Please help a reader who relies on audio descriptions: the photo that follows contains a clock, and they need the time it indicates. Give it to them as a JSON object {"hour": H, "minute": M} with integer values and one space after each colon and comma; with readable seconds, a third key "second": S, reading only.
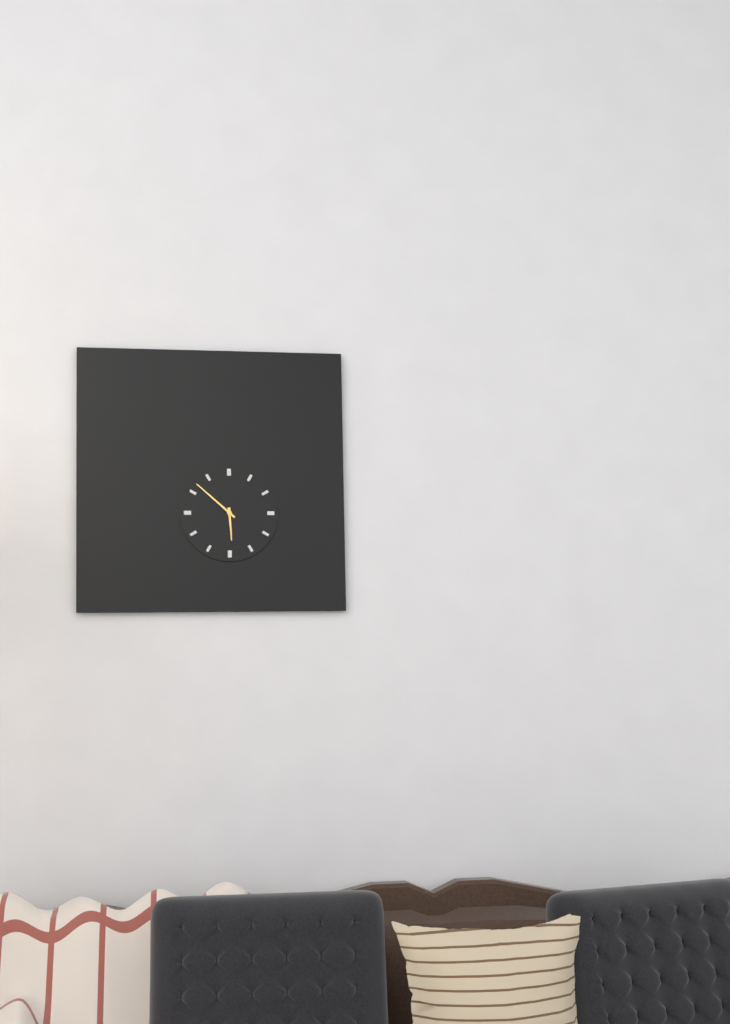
{"hour": 5, "minute": 52}
